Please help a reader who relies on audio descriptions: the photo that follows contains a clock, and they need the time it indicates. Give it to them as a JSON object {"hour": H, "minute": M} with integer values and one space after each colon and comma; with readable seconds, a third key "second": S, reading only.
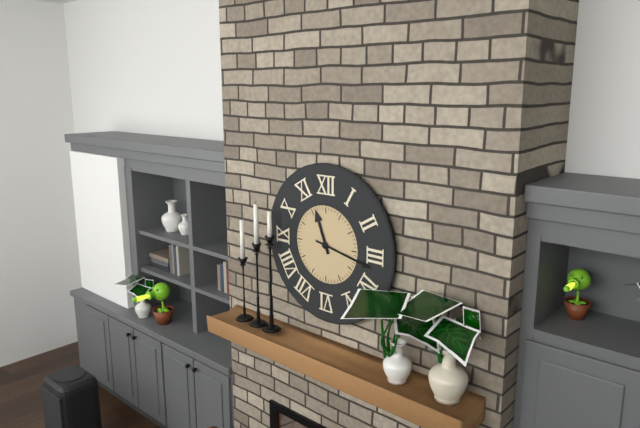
{"hour": 11, "minute": 17}
